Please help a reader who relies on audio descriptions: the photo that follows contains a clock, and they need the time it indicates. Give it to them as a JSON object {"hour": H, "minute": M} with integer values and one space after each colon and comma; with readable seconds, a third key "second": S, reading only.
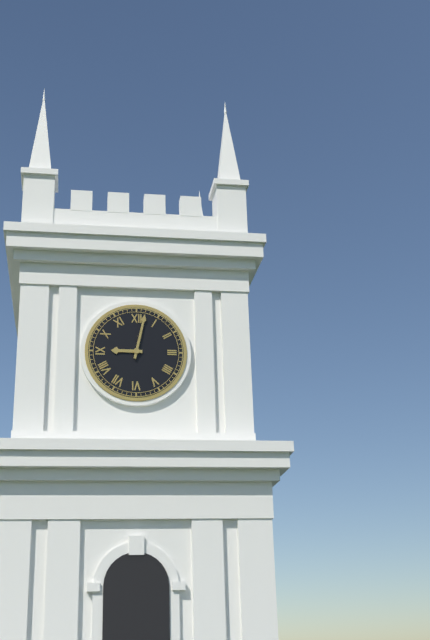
{"hour": 9, "minute": 2}
